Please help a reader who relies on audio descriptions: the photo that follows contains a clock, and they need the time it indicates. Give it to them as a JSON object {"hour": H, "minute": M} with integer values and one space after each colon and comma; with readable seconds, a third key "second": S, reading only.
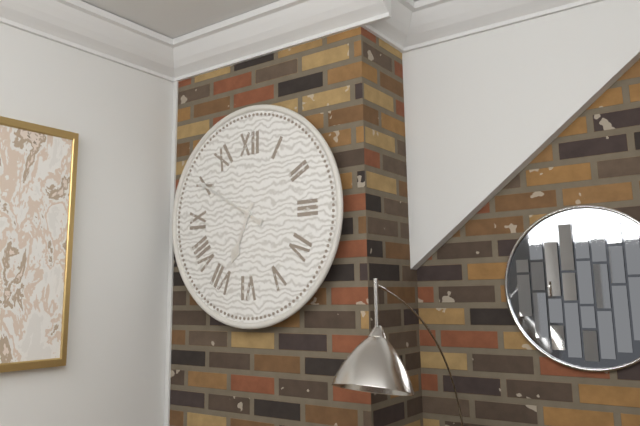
{"hour": 6, "minute": 50}
